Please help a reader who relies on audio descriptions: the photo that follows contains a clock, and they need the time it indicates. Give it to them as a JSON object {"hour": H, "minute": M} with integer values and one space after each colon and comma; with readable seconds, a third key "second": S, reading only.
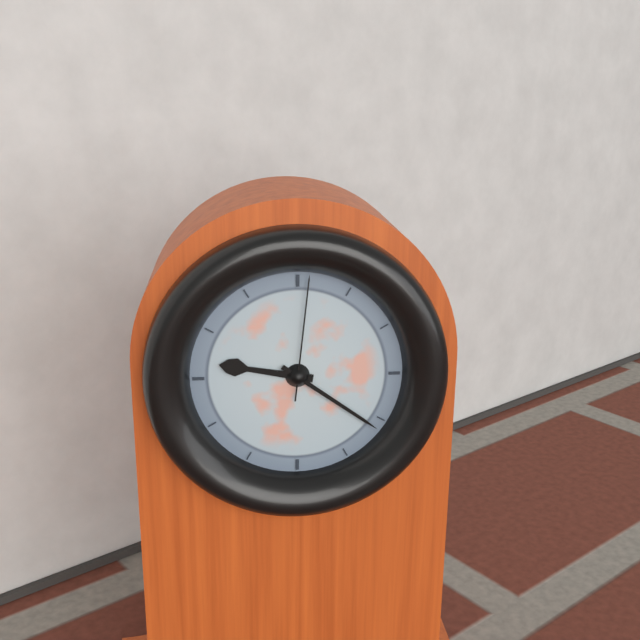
{"hour": 9, "minute": 21, "second": 1}
